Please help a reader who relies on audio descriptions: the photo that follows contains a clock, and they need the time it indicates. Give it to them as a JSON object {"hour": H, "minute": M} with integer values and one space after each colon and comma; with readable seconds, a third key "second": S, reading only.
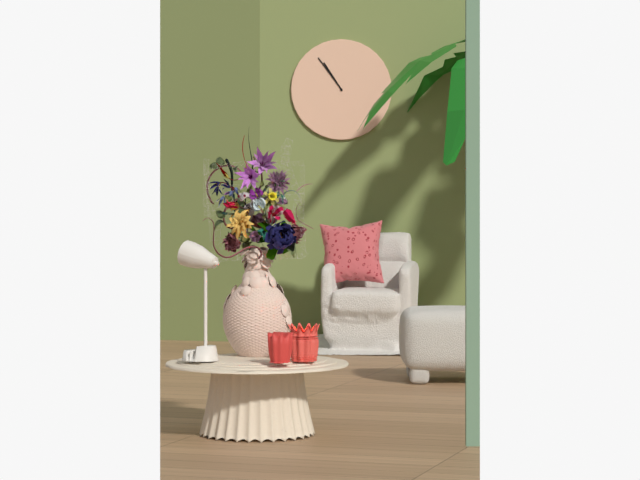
{"hour": 10, "minute": 54}
